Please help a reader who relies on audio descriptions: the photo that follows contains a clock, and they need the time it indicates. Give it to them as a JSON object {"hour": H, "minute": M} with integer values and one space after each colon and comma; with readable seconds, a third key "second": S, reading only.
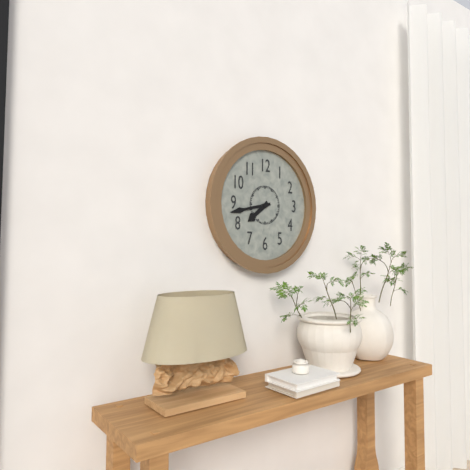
{"hour": 7, "minute": 43}
